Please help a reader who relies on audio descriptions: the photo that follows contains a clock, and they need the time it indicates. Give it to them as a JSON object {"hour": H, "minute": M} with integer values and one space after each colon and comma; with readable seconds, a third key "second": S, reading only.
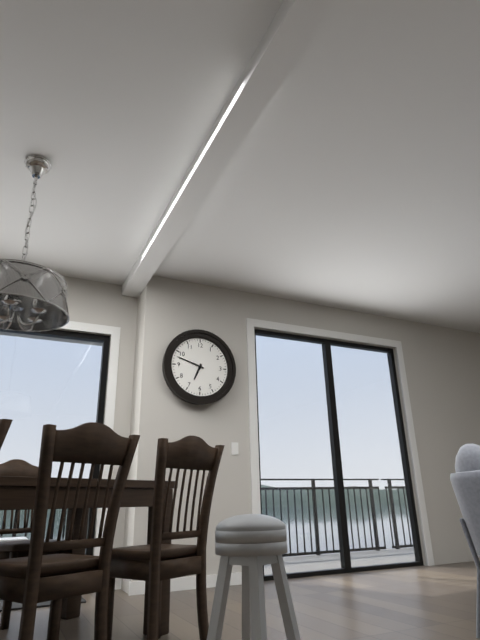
{"hour": 6, "minute": 48}
